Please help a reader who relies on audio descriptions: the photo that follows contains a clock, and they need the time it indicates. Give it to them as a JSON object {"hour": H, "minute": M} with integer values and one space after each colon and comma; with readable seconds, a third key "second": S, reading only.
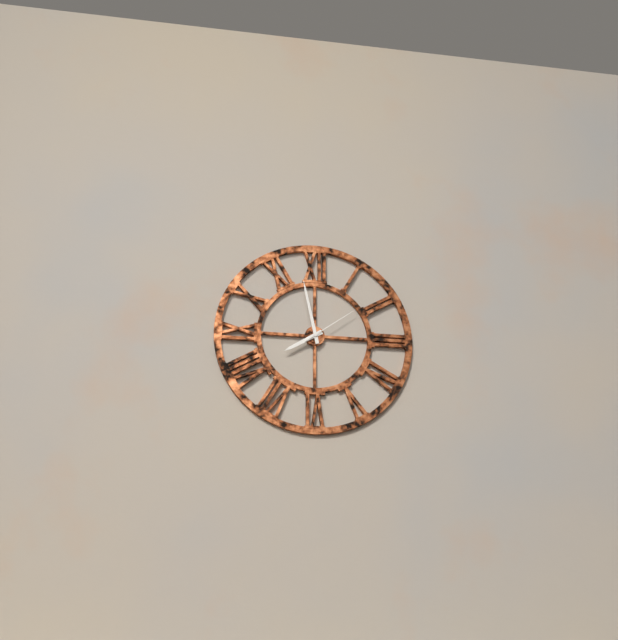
{"hour": 7, "minute": 58, "second": 9}
